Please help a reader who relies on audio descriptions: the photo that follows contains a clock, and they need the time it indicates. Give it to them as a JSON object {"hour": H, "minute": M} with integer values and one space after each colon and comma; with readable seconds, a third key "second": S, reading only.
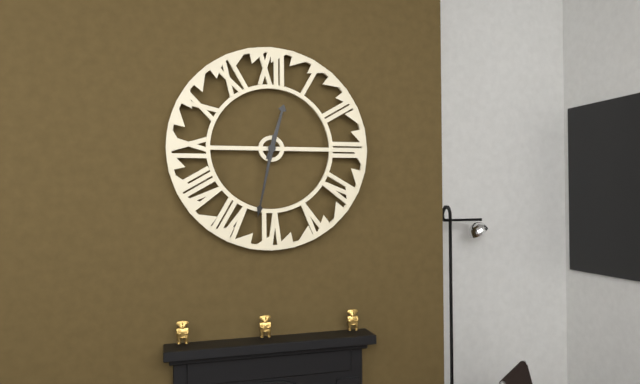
{"hour": 12, "minute": 32}
